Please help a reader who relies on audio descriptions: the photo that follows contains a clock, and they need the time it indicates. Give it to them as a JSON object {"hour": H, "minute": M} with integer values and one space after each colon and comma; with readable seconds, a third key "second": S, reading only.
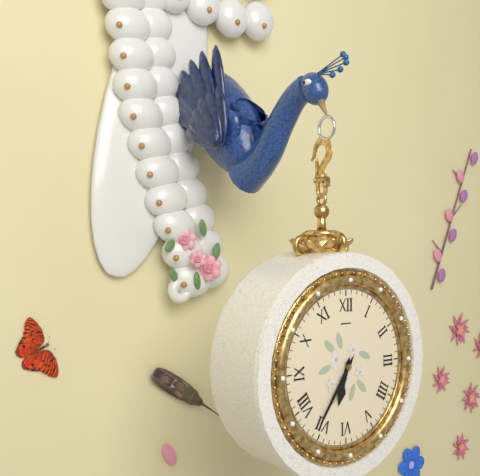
{"hour": 6, "minute": 36}
